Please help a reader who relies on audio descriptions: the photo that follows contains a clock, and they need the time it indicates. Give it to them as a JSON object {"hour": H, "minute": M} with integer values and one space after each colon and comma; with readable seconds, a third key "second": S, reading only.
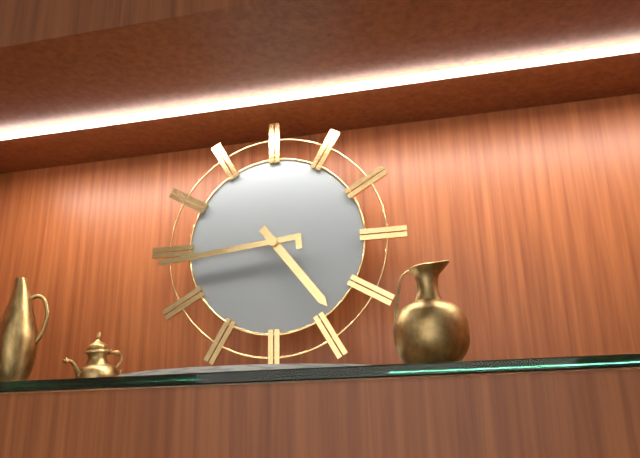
{"hour": 4, "minute": 44}
